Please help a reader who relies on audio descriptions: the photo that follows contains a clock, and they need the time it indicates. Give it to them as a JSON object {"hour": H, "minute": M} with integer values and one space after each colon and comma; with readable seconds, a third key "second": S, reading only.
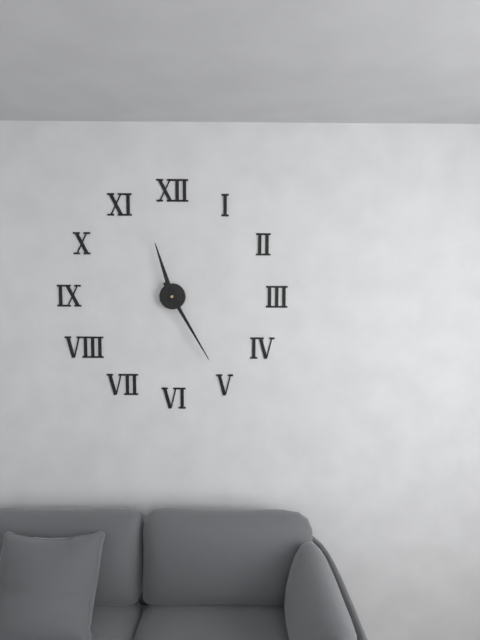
{"hour": 11, "minute": 25}
